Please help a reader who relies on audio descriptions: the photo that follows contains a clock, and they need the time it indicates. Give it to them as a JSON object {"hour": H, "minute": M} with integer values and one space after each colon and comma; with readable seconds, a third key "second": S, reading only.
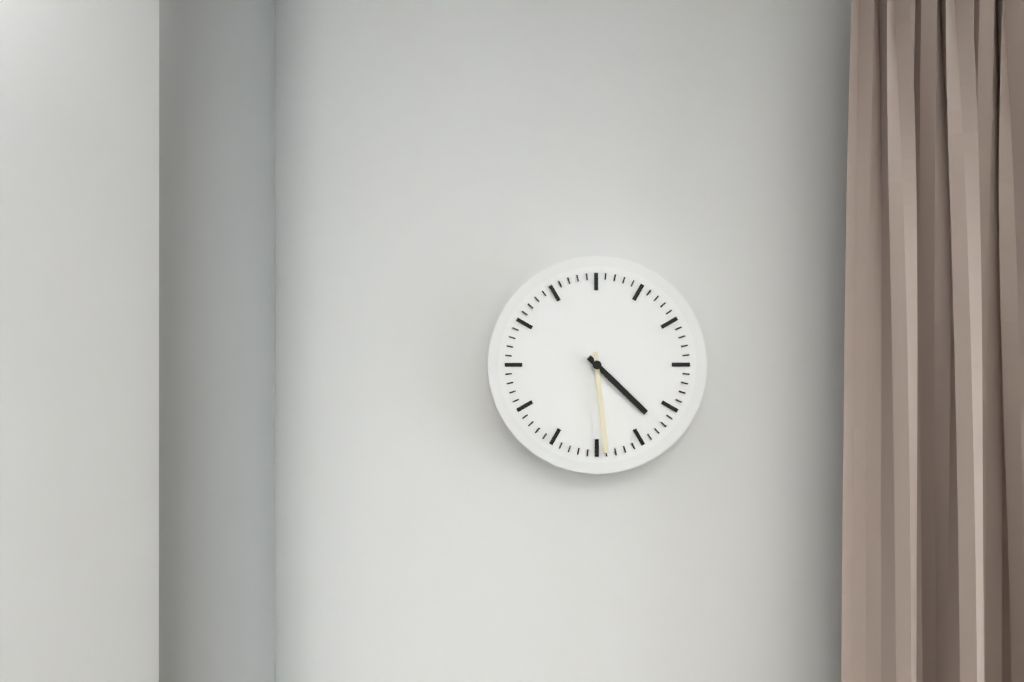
{"hour": 4, "minute": 29}
